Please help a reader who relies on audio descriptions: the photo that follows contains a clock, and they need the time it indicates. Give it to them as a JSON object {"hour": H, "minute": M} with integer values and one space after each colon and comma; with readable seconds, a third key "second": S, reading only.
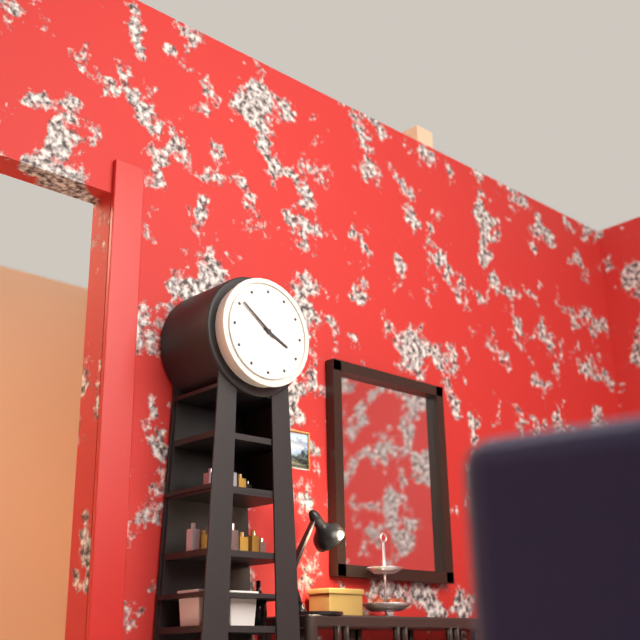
{"hour": 3, "minute": 51}
